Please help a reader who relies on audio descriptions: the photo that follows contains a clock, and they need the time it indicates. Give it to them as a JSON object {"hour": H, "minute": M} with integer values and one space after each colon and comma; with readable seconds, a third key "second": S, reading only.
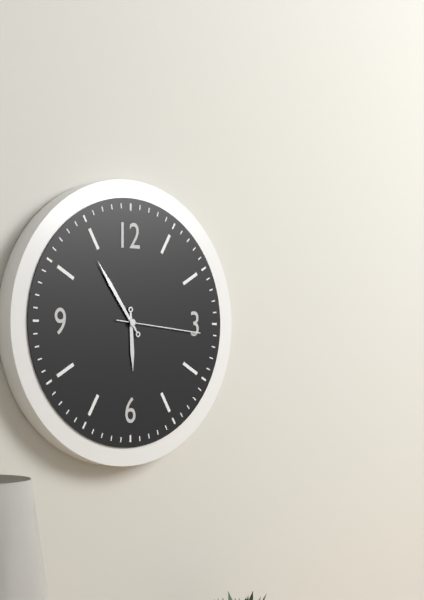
{"hour": 5, "minute": 54, "second": 16}
